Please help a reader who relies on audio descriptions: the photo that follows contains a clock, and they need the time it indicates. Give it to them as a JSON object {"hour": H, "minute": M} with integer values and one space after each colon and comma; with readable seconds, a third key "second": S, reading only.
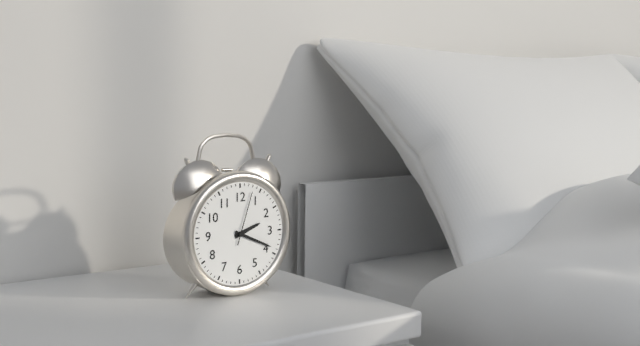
{"hour": 2, "minute": 19, "second": 3}
